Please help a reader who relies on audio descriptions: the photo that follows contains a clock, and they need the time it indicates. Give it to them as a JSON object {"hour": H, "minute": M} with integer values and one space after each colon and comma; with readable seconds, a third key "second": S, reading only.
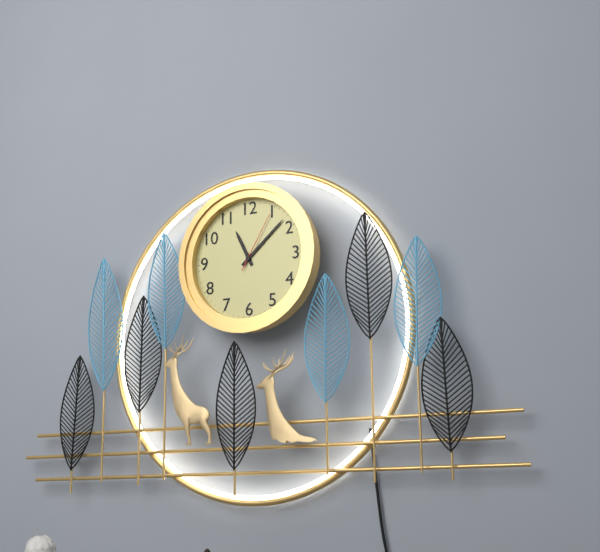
{"hour": 11, "minute": 8, "second": 5}
